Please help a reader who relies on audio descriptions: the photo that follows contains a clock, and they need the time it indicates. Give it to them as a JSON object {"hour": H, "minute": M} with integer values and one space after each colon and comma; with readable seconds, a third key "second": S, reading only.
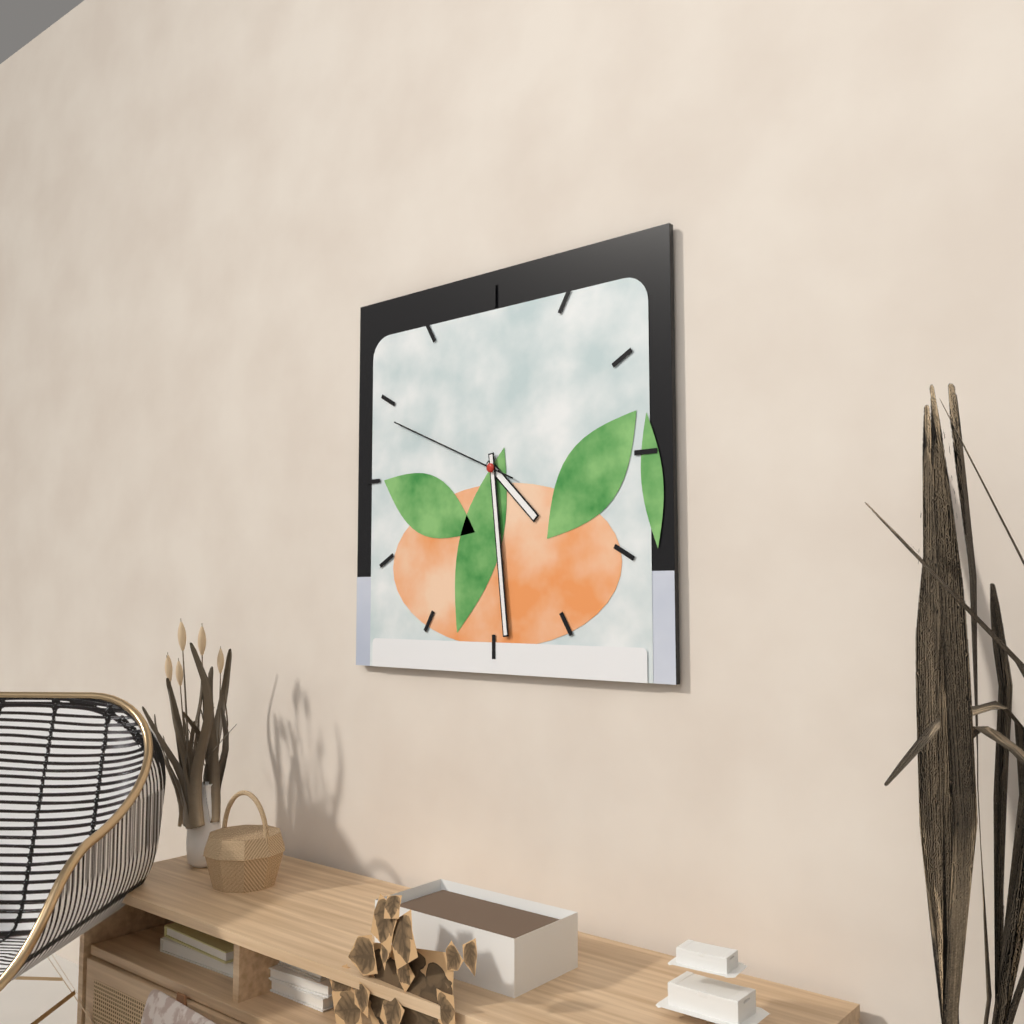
{"hour": 4, "minute": 29, "second": 49}
